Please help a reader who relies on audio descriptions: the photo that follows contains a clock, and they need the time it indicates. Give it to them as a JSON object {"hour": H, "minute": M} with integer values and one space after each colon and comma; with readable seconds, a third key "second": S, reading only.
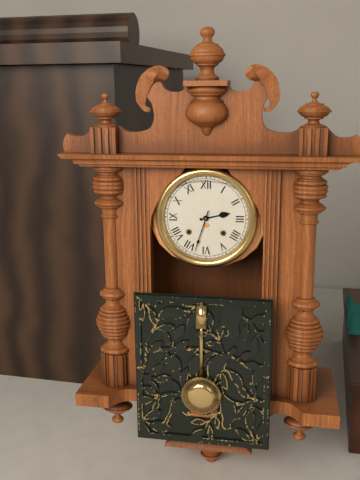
{"hour": 2, "minute": 33}
